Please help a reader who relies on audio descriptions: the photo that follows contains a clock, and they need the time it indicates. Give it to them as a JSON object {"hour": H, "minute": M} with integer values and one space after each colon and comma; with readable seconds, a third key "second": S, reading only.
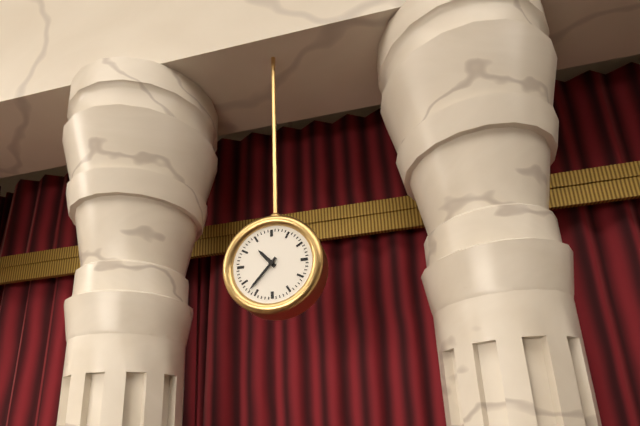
{"hour": 10, "minute": 37}
